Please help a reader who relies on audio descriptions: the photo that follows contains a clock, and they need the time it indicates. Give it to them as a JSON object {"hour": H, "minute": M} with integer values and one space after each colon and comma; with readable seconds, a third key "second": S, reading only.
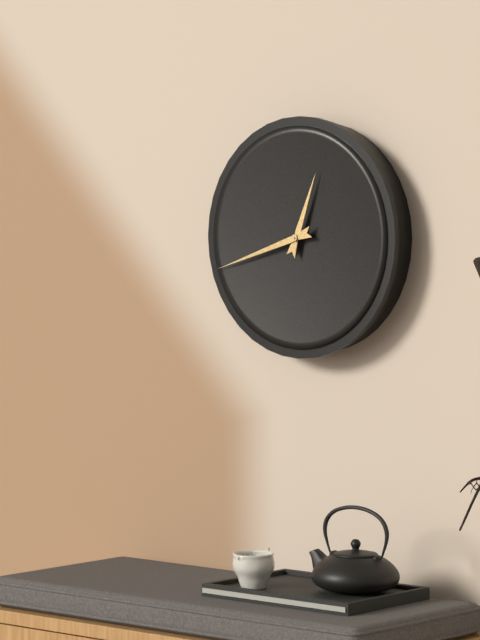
{"hour": 12, "minute": 42}
